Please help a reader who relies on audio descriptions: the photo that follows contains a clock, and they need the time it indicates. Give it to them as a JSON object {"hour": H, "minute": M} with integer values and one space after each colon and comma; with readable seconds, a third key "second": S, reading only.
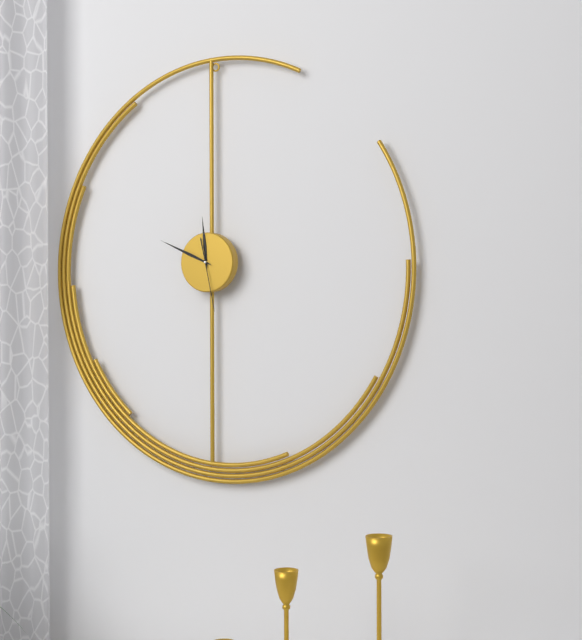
{"hour": 11, "minute": 49, "second": 28}
